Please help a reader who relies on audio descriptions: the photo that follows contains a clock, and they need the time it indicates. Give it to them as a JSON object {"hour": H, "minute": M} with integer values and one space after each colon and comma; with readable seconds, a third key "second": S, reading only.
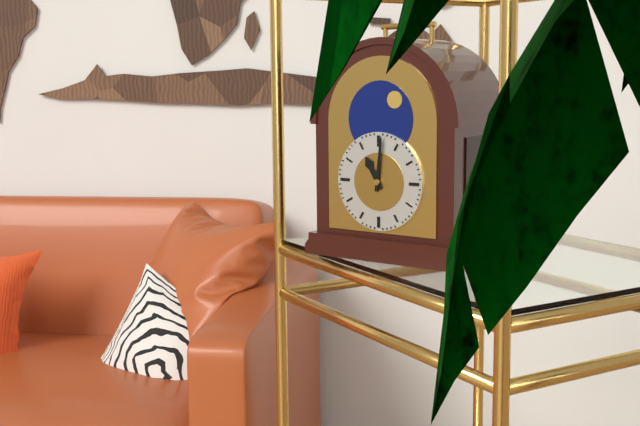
{"hour": 11, "minute": 1}
